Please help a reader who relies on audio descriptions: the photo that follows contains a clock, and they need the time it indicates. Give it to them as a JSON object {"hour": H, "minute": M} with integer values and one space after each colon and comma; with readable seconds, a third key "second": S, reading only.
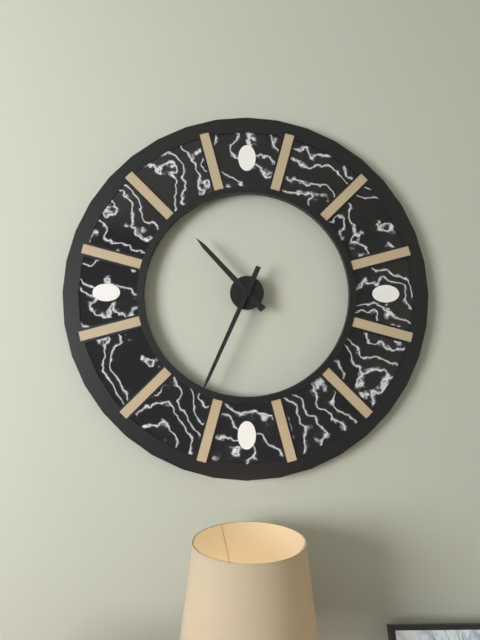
{"hour": 10, "minute": 34}
